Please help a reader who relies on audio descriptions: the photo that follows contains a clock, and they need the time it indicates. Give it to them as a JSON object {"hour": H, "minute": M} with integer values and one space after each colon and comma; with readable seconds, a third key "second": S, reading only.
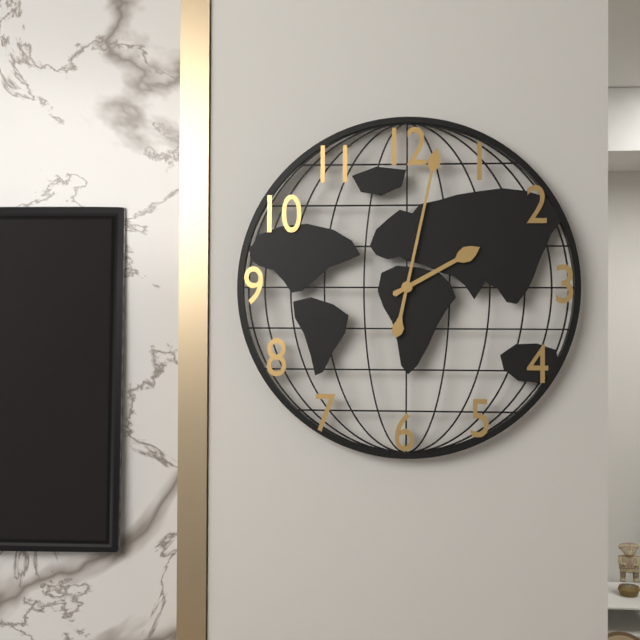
{"hour": 2, "minute": 2}
